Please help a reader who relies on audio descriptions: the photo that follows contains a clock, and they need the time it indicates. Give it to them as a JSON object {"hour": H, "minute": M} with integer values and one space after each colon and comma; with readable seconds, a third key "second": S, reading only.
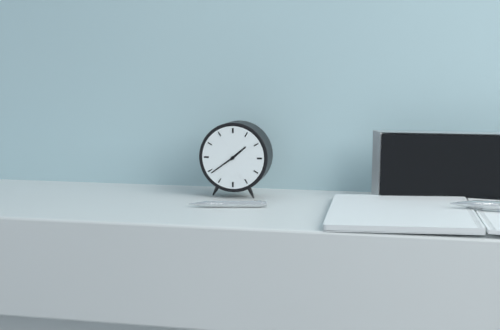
{"hour": 1, "minute": 39}
